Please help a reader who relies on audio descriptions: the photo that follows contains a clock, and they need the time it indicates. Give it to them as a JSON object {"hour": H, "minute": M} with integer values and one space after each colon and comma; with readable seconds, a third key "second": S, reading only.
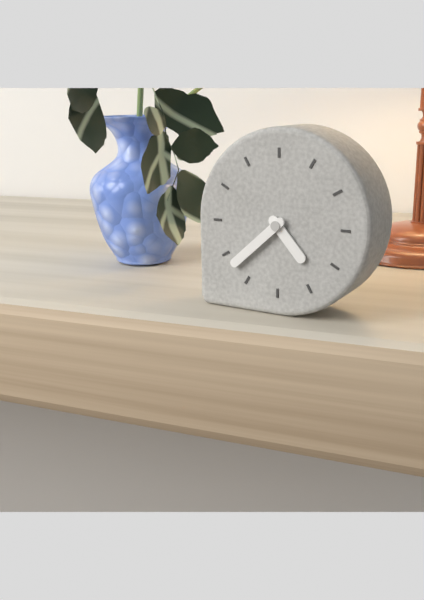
{"hour": 4, "minute": 38}
